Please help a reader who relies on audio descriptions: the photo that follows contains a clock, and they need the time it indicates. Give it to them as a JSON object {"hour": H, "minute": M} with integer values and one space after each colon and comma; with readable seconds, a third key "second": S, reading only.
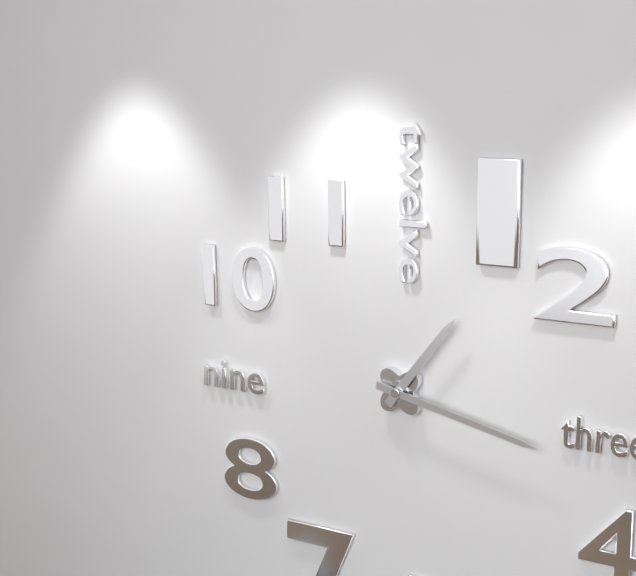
{"hour": 1, "minute": 17}
